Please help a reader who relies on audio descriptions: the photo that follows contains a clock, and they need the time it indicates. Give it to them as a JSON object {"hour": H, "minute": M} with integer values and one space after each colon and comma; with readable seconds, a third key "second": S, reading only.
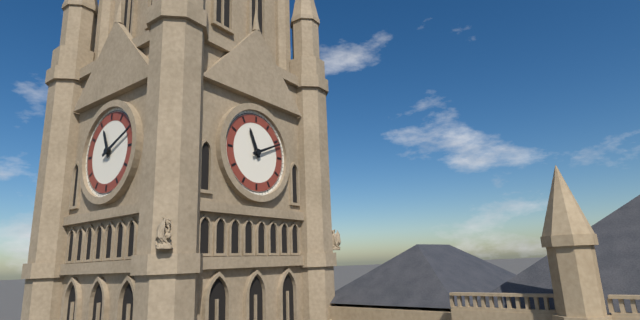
{"hour": 11, "minute": 11}
